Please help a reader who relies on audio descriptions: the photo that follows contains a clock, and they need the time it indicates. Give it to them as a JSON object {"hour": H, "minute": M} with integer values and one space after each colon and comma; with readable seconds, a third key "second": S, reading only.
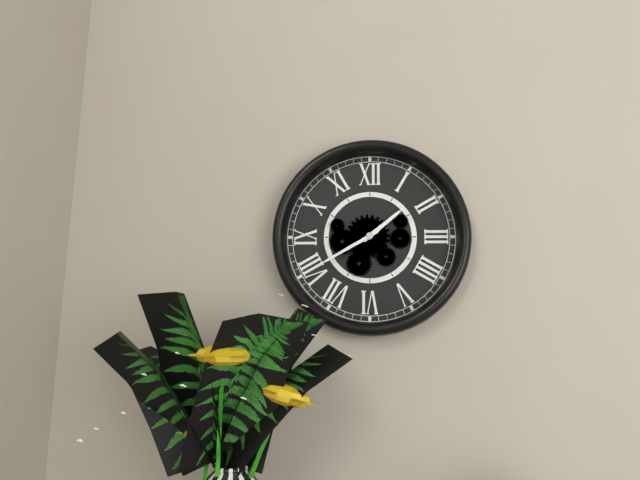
{"hour": 1, "minute": 40}
